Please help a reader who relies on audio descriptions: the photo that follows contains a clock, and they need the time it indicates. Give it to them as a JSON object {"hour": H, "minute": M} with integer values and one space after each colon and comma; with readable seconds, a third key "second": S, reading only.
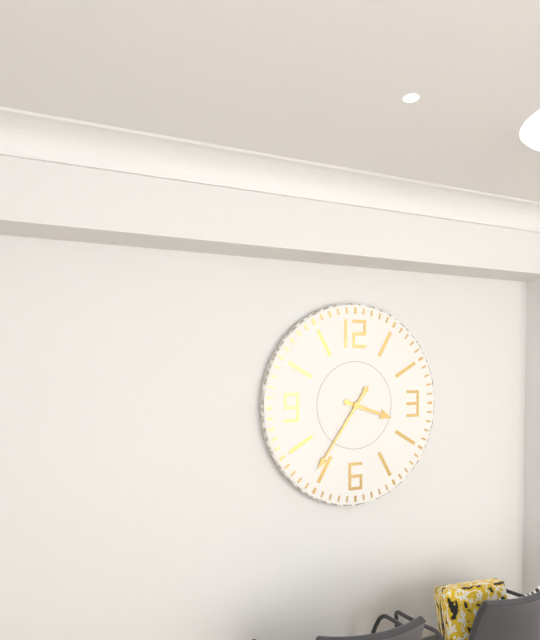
{"hour": 3, "minute": 36}
